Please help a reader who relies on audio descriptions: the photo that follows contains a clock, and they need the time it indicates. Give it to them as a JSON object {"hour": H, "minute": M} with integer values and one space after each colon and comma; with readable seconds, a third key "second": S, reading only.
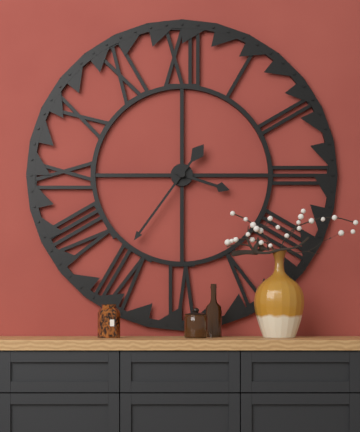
{"hour": 3, "minute": 36}
